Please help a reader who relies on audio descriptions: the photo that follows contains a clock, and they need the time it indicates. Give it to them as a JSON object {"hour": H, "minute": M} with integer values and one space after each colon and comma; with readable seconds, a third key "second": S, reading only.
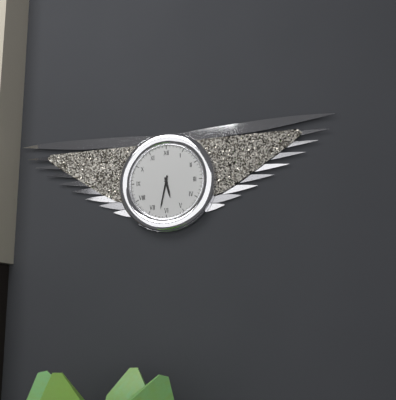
{"hour": 5, "minute": 32}
